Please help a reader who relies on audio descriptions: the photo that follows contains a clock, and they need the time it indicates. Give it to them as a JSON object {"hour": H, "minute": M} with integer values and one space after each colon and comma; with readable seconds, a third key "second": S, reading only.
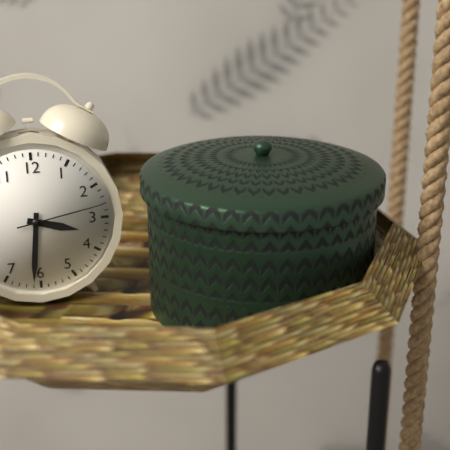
{"hour": 3, "minute": 31, "second": 13}
